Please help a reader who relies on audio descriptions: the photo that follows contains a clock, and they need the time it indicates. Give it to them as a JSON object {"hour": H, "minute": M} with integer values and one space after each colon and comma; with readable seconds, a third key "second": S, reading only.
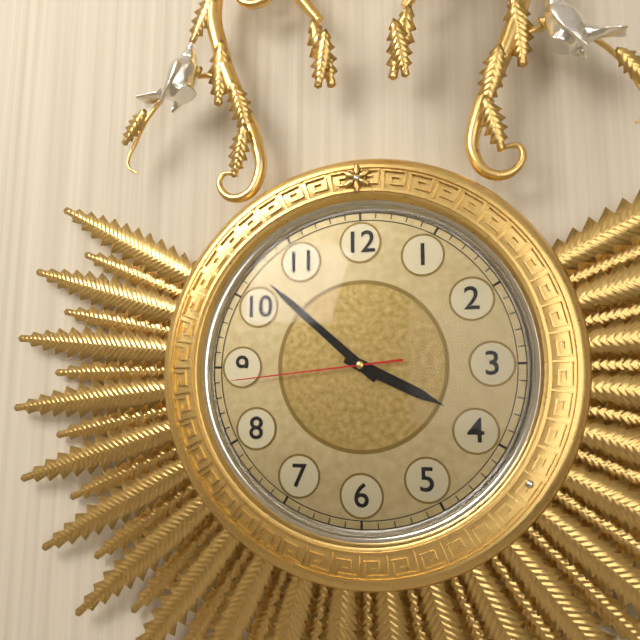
{"hour": 3, "minute": 52, "second": 44}
